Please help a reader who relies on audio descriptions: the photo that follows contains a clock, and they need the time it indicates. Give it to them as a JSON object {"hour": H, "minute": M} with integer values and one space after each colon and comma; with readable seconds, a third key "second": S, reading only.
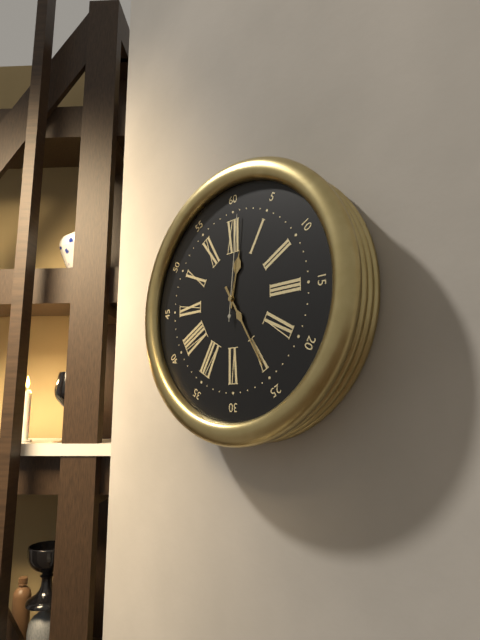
{"hour": 12, "minute": 25, "second": 1}
